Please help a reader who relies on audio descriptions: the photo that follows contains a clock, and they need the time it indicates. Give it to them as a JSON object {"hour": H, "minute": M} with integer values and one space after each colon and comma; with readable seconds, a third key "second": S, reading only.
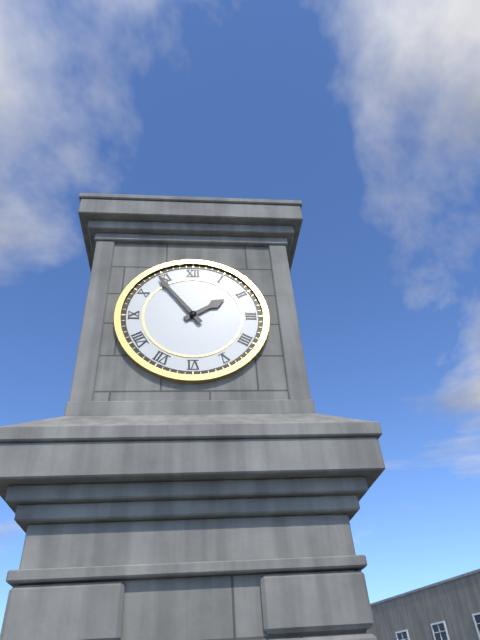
{"hour": 1, "minute": 54}
